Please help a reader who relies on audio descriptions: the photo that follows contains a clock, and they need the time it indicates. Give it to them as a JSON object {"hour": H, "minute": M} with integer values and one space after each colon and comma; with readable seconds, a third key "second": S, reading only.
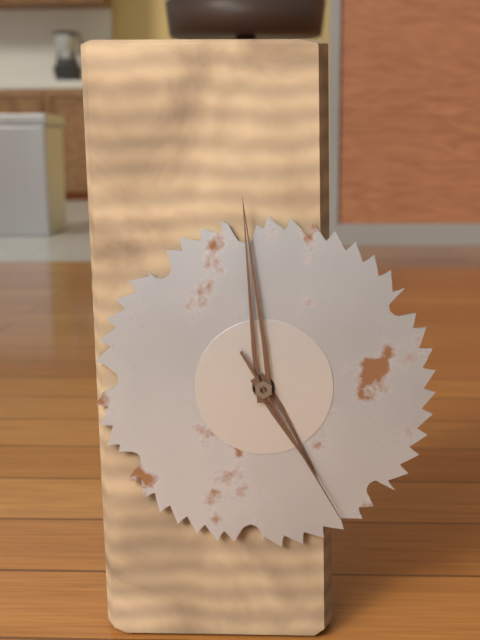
{"hour": 4, "minute": 59, "second": 25}
